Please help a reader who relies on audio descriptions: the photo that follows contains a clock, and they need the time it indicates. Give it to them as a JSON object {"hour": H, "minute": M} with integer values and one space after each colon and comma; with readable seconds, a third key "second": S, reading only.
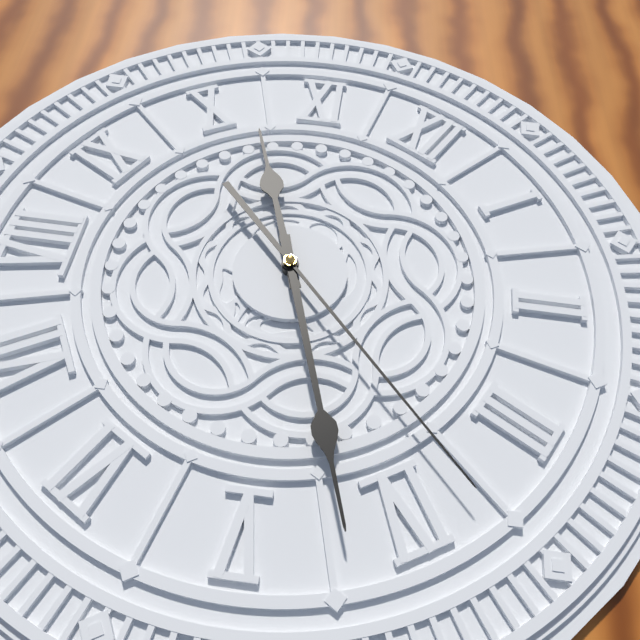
{"hour": 10, "minute": 22, "second": 18}
